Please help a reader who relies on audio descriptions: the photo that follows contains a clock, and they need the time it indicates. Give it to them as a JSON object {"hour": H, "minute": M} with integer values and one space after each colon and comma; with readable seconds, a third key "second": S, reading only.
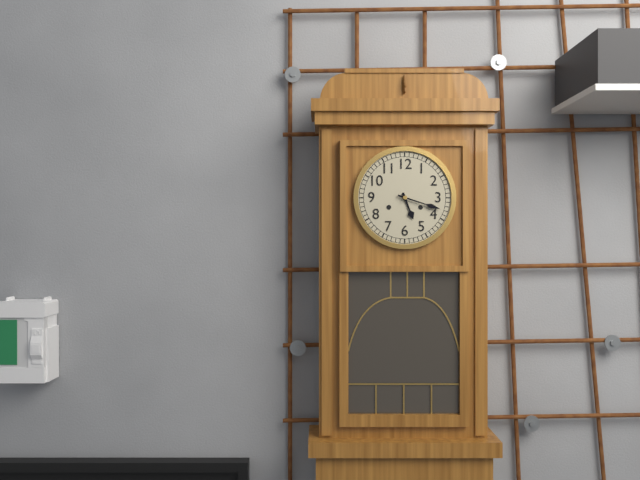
{"hour": 5, "minute": 18}
